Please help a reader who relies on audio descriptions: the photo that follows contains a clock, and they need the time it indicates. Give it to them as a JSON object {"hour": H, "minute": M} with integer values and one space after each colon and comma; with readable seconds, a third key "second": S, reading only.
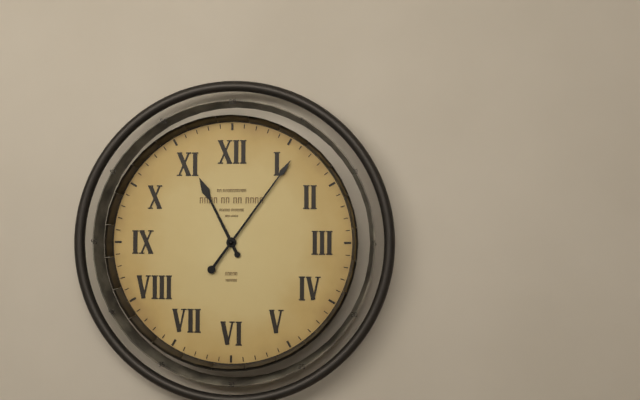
{"hour": 11, "minute": 6}
